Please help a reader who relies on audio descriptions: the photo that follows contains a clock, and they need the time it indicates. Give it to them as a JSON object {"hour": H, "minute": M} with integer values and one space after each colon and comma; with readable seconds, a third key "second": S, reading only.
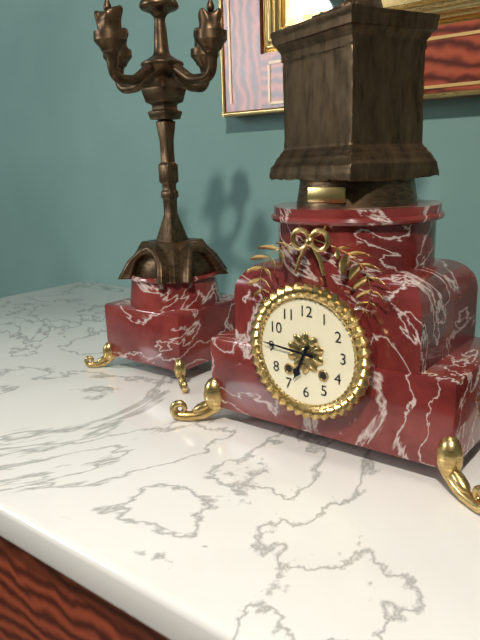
{"hour": 6, "minute": 46}
